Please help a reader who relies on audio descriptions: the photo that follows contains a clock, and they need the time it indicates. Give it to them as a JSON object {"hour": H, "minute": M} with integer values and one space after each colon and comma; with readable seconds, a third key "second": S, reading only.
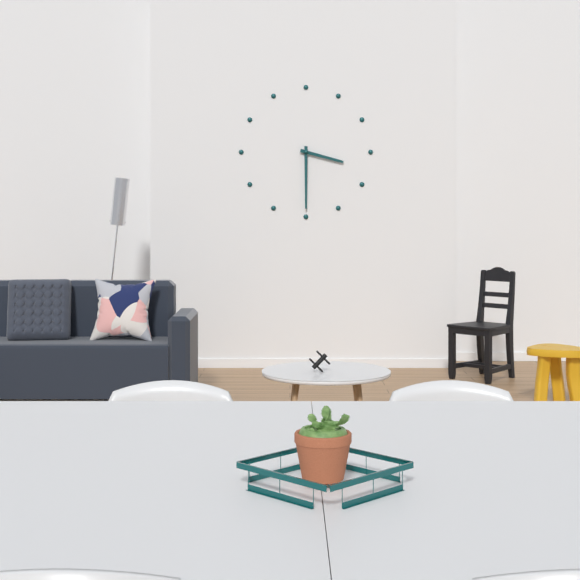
{"hour": 3, "minute": 30}
